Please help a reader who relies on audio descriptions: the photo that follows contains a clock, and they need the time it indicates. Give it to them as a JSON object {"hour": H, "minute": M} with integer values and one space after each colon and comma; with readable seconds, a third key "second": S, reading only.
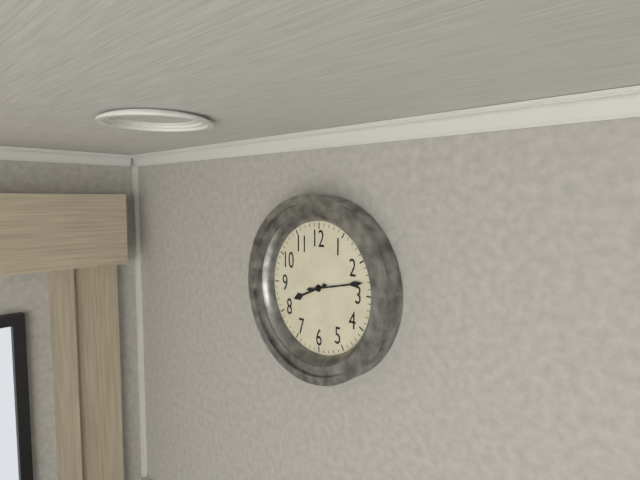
{"hour": 8, "minute": 13}
